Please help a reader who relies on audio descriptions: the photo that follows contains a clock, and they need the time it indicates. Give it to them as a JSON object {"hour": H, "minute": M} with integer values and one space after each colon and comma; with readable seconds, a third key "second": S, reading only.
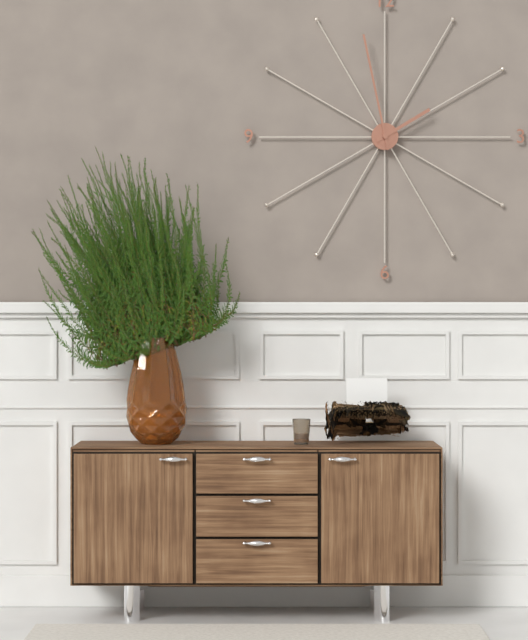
{"hour": 1, "minute": 58}
